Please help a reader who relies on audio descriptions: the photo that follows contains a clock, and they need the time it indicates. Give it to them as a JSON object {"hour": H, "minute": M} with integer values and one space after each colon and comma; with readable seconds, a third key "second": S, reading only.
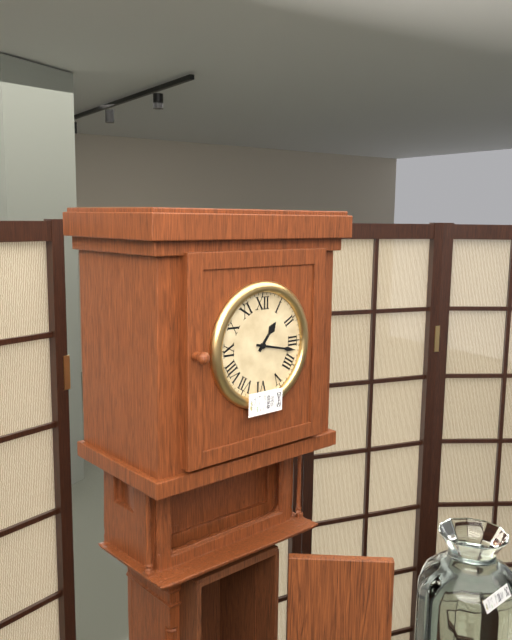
{"hour": 1, "minute": 17}
